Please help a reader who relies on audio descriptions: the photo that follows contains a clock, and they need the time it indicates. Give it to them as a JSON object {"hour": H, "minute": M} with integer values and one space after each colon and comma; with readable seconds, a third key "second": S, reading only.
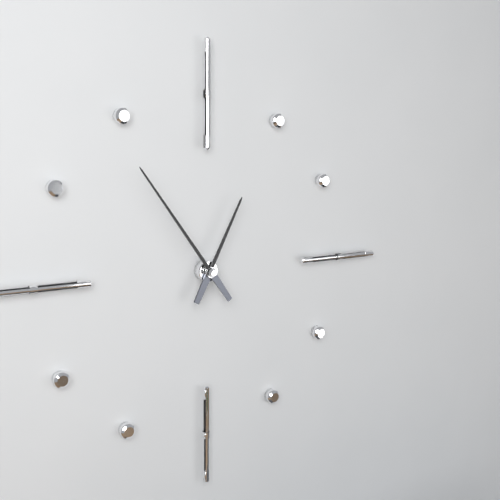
{"hour": 12, "minute": 54}
